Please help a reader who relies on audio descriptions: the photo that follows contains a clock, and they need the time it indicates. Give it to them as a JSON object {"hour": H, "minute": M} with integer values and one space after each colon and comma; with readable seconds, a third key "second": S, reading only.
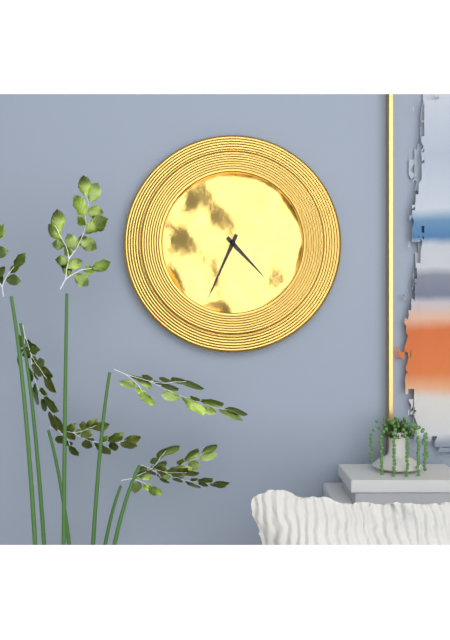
{"hour": 4, "minute": 34}
